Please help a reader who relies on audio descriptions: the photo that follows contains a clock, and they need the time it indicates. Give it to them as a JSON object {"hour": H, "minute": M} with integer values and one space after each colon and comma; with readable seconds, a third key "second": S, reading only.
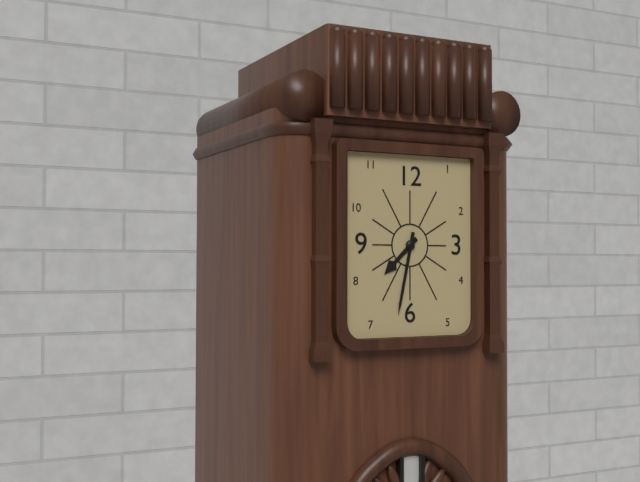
{"hour": 7, "minute": 32}
